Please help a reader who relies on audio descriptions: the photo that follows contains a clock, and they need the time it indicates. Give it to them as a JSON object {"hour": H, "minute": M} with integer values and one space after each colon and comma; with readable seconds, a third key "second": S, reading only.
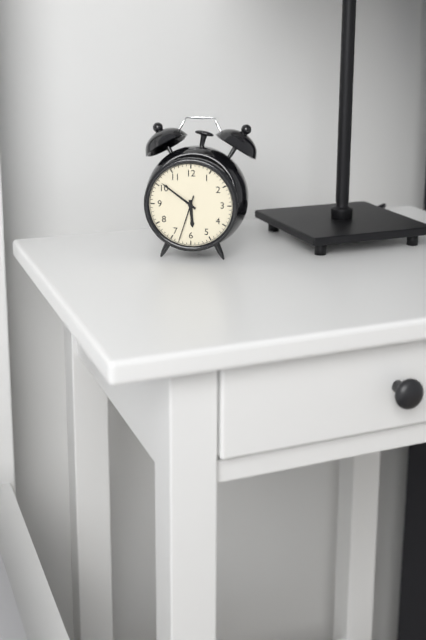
{"hour": 5, "minute": 51}
